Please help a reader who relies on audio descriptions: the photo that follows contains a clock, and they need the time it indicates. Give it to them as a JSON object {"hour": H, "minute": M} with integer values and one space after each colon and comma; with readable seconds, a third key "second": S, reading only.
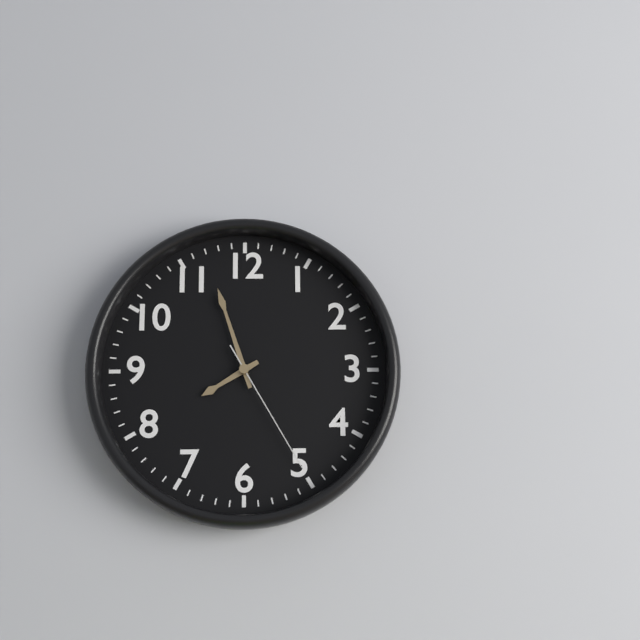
{"hour": 7, "minute": 57, "second": 25}
